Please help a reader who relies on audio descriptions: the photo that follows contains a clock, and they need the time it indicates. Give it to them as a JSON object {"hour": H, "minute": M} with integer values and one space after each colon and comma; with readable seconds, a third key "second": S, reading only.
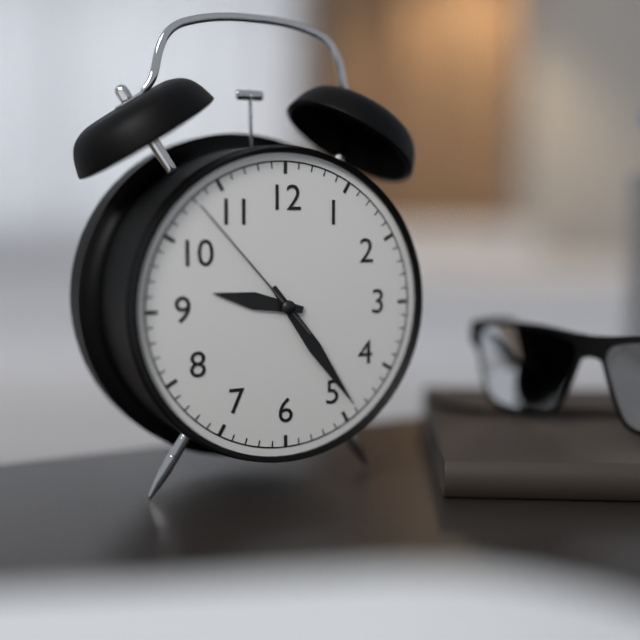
{"hour": 9, "minute": 24, "second": 53}
